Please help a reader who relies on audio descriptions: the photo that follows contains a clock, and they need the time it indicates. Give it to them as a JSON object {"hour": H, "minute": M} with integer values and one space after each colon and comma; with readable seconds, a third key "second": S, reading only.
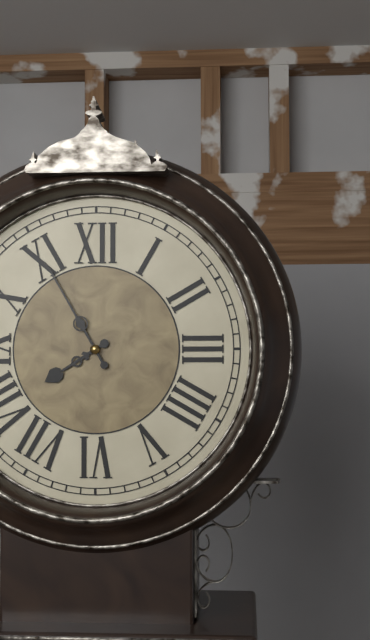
{"hour": 7, "minute": 55}
